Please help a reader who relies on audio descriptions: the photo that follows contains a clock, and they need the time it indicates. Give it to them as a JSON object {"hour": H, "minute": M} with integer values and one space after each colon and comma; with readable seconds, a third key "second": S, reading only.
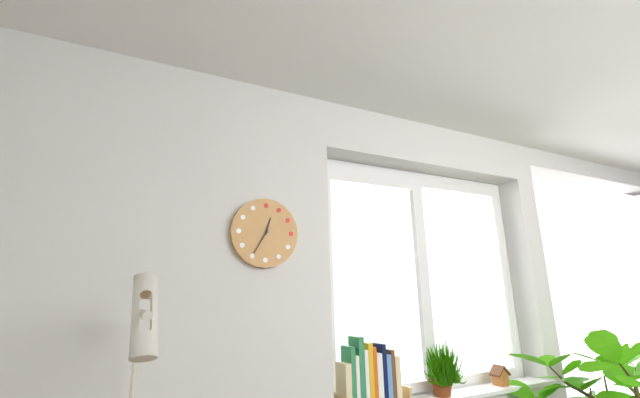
{"hour": 12, "minute": 35}
